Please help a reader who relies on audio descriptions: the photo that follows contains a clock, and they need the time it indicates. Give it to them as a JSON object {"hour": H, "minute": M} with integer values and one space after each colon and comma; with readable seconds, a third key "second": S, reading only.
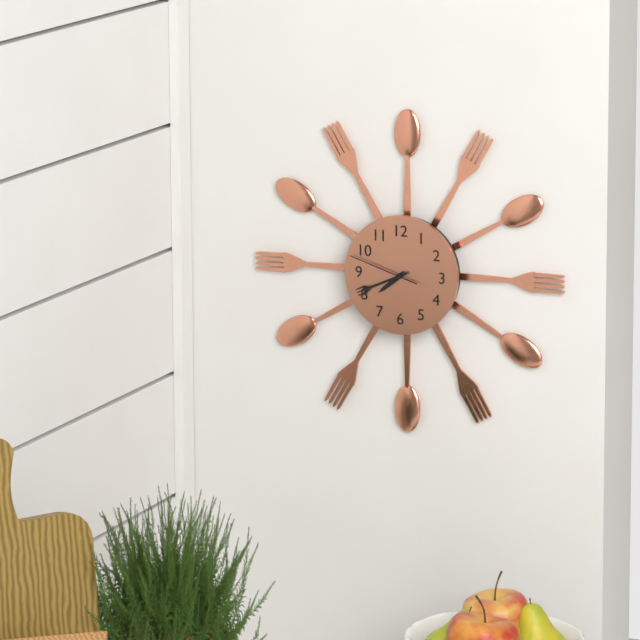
{"hour": 7, "minute": 41, "second": 48}
